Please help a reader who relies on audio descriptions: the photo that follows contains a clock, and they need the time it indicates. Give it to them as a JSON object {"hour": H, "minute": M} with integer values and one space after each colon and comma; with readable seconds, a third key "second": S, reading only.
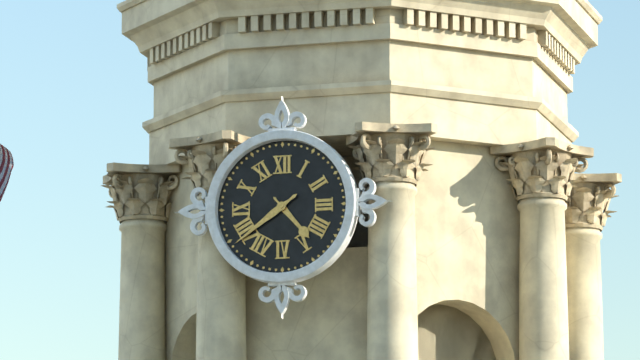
{"hour": 4, "minute": 39}
